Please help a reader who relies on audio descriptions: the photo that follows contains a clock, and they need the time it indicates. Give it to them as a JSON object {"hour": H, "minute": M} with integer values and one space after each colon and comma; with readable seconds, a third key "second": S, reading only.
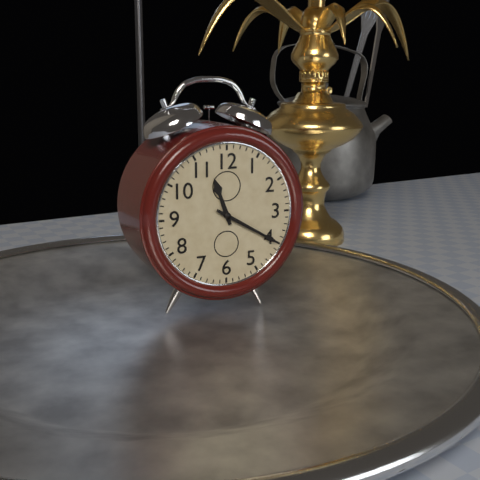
{"hour": 11, "minute": 20}
